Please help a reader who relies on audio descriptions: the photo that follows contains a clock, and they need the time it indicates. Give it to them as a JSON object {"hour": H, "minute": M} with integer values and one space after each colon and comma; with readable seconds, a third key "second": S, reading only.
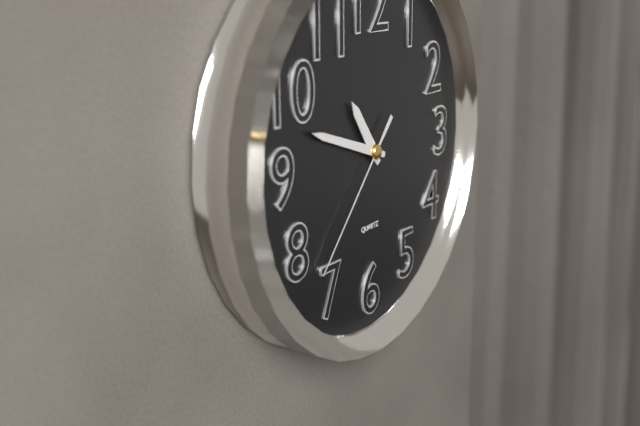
{"hour": 10, "minute": 48, "second": 37}
